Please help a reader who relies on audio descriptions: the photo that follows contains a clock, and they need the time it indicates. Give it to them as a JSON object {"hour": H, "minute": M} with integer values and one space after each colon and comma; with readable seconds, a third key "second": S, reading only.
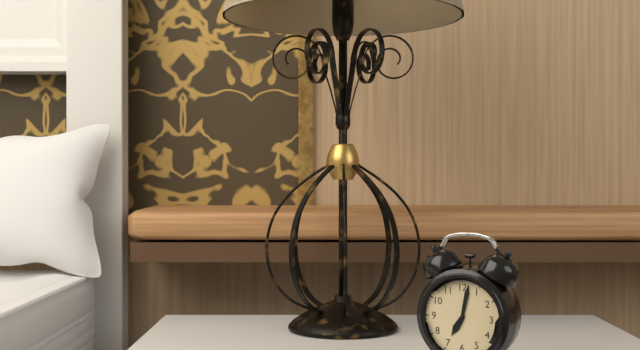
{"hour": 7, "minute": 2}
